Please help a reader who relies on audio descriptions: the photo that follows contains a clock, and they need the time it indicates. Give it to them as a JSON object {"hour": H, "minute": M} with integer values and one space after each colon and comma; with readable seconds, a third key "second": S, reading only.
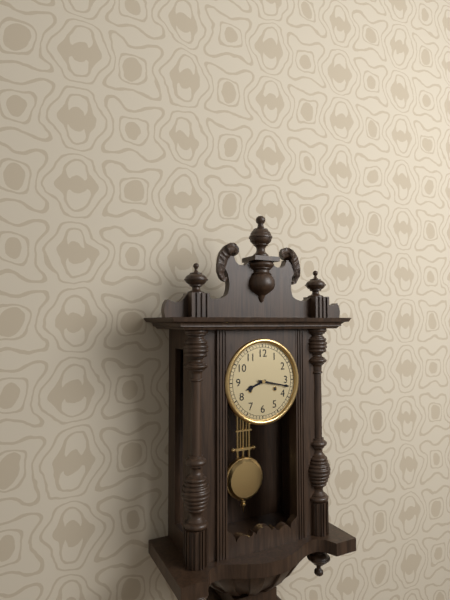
{"hour": 8, "minute": 17}
